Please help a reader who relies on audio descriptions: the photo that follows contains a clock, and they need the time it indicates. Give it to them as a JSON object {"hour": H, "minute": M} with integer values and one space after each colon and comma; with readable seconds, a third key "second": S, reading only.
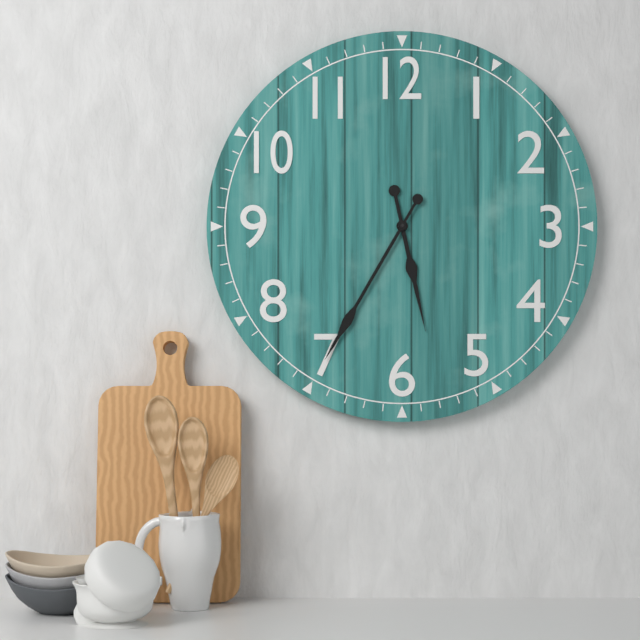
{"hour": 5, "minute": 35}
